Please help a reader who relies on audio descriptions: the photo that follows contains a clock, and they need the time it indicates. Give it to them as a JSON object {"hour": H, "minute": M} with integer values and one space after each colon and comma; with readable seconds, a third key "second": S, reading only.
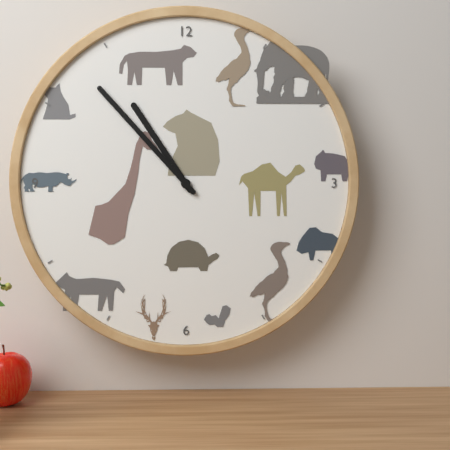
{"hour": 10, "minute": 53}
